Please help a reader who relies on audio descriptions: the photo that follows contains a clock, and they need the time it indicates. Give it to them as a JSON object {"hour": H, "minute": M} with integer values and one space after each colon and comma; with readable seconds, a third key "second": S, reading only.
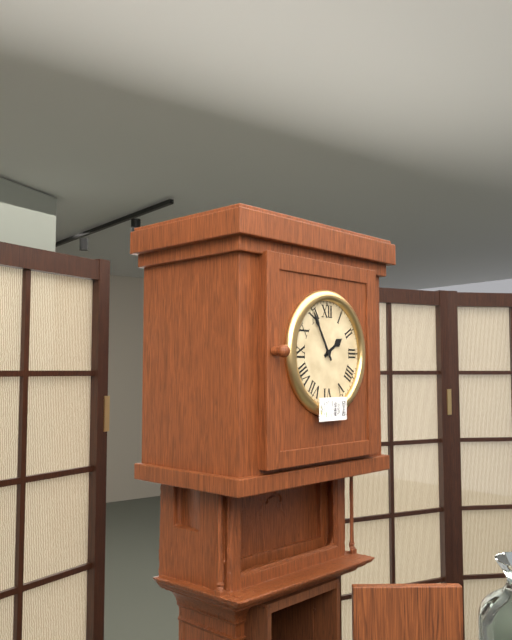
{"hour": 1, "minute": 55}
